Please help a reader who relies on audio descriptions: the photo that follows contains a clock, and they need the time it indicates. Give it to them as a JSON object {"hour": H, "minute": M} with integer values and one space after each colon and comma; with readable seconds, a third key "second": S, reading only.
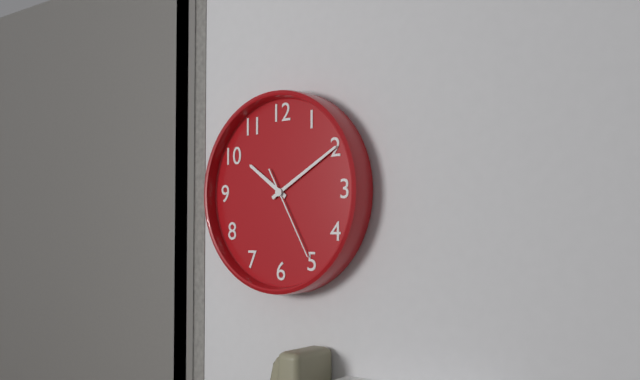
{"hour": 10, "minute": 10, "second": 25}
